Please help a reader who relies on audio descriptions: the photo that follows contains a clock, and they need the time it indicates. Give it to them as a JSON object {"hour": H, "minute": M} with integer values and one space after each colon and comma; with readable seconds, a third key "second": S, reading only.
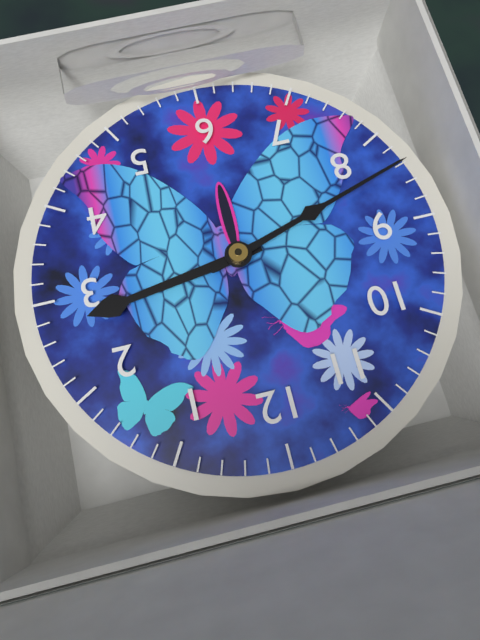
{"hour": 2, "minute": 42}
